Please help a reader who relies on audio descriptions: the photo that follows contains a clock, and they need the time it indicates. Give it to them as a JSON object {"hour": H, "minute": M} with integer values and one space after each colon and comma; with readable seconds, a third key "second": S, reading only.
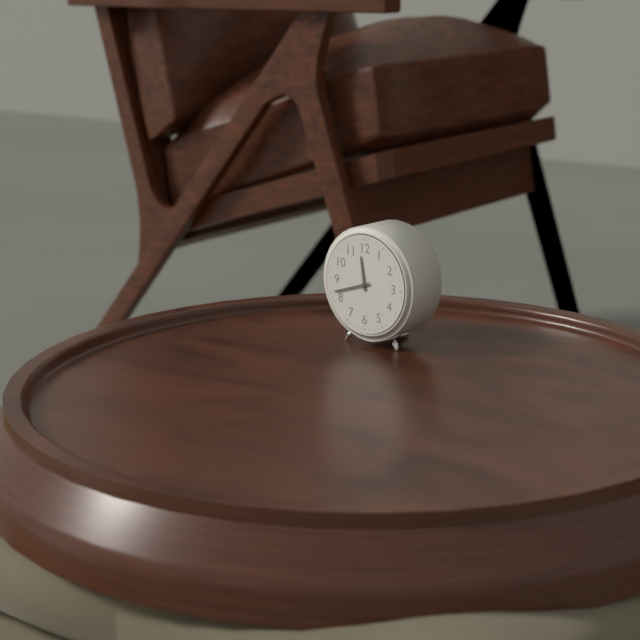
{"hour": 11, "minute": 42}
